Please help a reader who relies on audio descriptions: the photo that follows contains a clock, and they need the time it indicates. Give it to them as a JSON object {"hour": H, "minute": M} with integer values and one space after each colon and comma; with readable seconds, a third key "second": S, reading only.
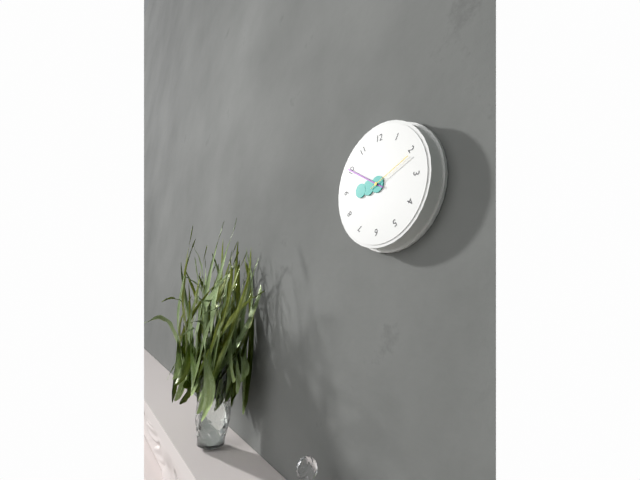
{"hour": 8, "minute": 50}
